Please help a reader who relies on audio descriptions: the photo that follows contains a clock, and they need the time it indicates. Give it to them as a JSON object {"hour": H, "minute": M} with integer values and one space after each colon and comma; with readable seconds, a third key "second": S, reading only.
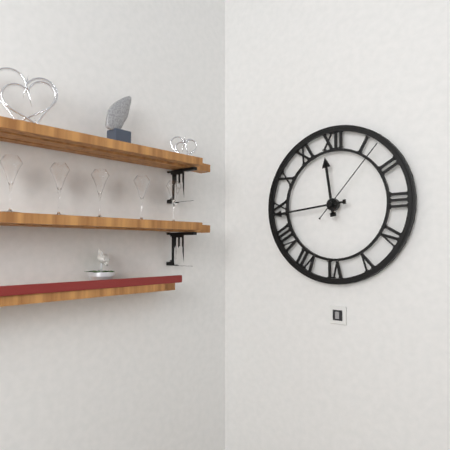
{"hour": 11, "minute": 44, "second": 7}
